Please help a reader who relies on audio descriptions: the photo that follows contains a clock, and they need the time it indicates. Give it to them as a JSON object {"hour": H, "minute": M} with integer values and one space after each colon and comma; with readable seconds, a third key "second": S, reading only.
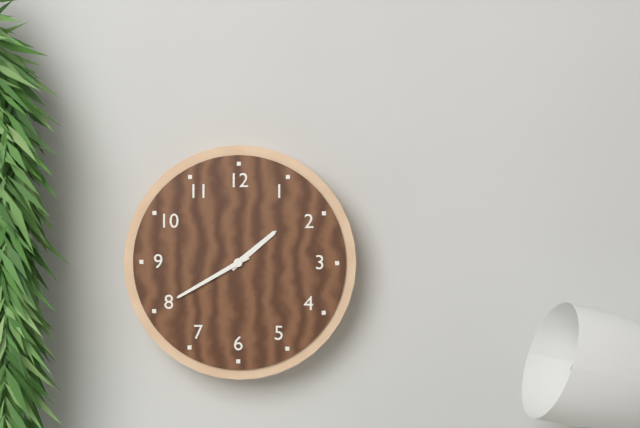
{"hour": 1, "minute": 40}
